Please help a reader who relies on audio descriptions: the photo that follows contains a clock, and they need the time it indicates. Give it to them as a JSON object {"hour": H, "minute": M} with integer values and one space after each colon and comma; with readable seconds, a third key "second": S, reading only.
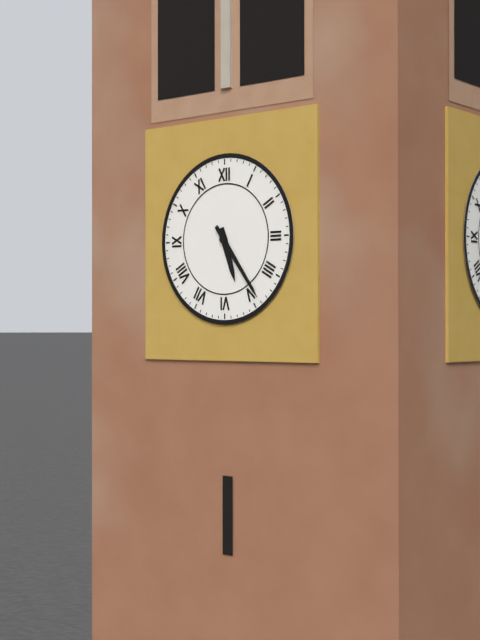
{"hour": 5, "minute": 24}
